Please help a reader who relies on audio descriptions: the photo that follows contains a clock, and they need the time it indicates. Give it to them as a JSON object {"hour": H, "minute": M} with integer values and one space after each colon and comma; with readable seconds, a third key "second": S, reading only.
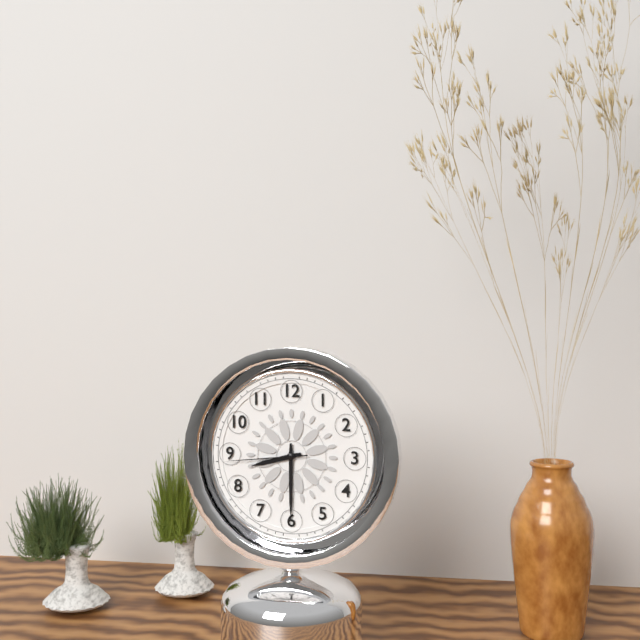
{"hour": 8, "minute": 30, "second": 44}
